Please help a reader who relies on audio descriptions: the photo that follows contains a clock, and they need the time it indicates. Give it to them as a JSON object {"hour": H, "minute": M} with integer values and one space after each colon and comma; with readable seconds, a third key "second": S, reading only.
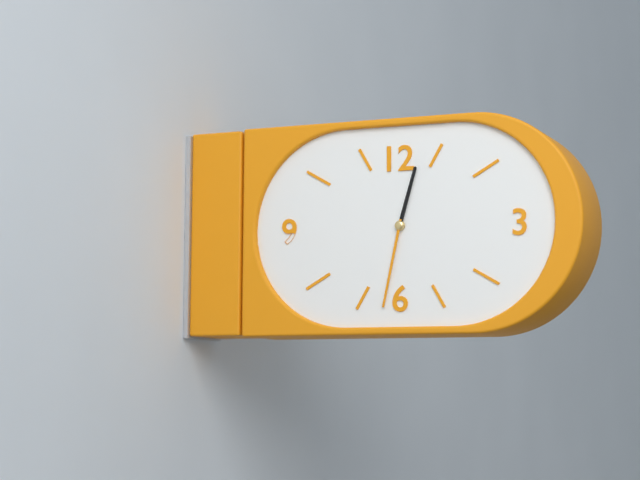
{"hour": 12, "minute": 32}
